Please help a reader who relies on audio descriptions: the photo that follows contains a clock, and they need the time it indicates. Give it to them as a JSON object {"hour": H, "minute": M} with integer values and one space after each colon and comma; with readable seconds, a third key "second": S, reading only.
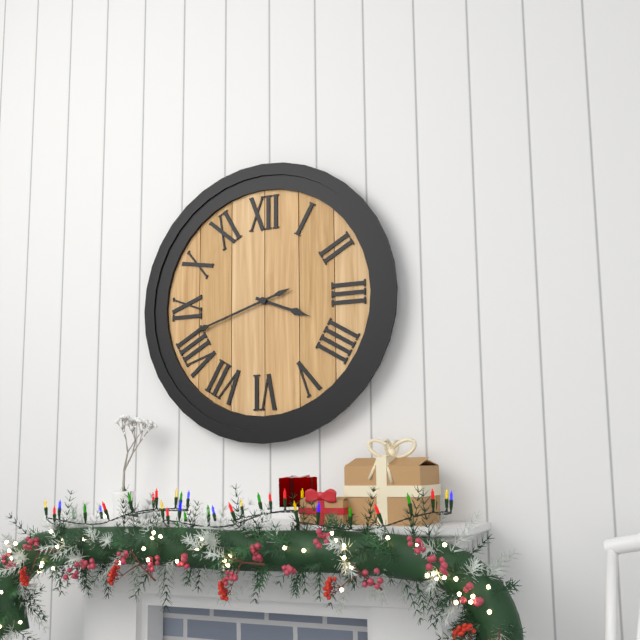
{"hour": 3, "minute": 42}
